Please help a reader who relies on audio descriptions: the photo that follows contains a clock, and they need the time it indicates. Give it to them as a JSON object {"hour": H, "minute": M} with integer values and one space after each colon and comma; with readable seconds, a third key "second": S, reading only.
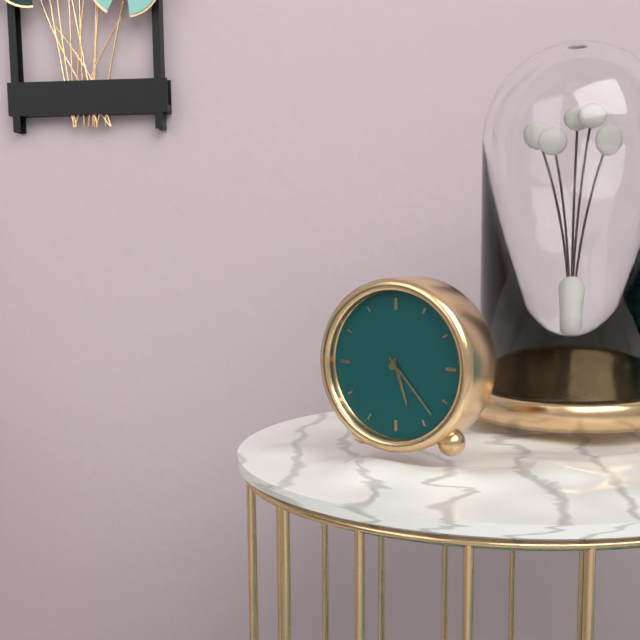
{"hour": 5, "minute": 23}
